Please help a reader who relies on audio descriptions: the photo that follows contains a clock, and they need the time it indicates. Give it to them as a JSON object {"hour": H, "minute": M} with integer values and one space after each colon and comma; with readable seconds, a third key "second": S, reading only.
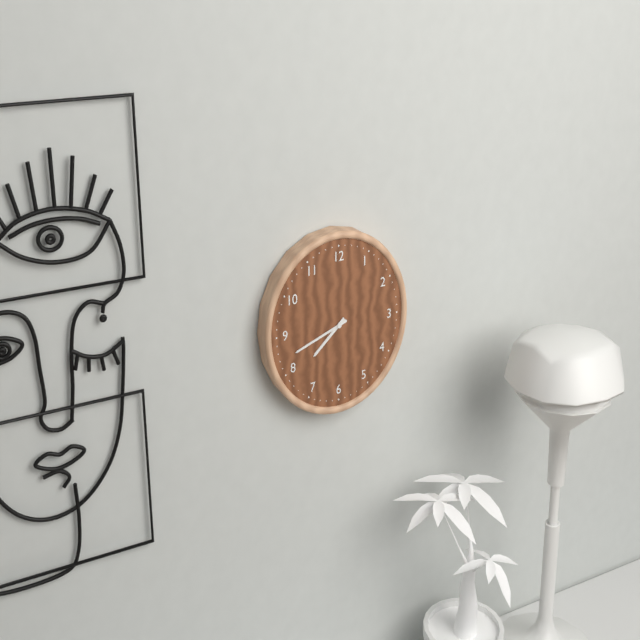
{"hour": 7, "minute": 42}
